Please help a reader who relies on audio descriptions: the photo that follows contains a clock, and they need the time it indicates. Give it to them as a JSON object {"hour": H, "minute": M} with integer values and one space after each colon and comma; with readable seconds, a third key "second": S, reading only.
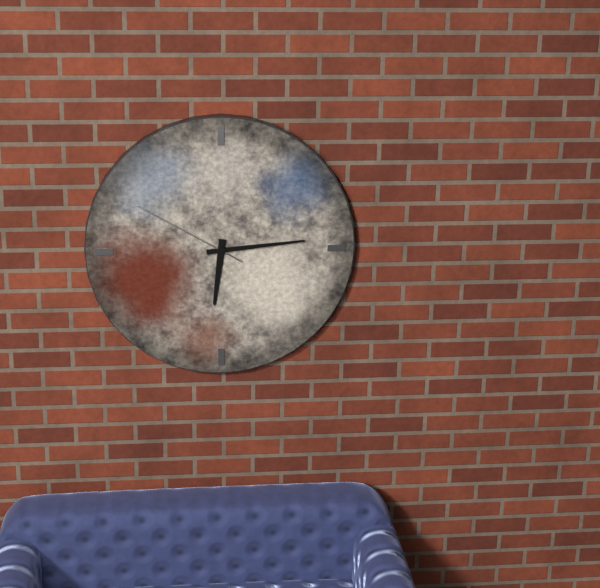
{"hour": 6, "minute": 14, "second": 50}
